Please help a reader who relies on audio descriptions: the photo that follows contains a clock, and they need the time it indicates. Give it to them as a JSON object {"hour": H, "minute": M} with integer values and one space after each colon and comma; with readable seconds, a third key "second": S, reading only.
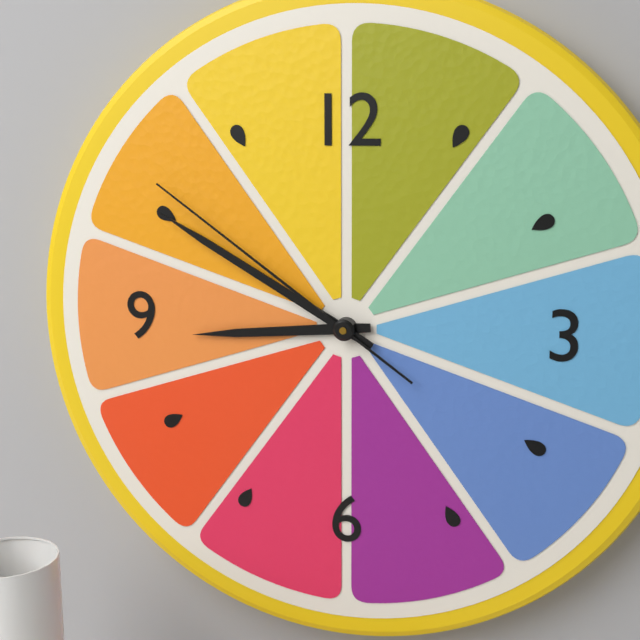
{"hour": 8, "minute": 50, "second": 51}
